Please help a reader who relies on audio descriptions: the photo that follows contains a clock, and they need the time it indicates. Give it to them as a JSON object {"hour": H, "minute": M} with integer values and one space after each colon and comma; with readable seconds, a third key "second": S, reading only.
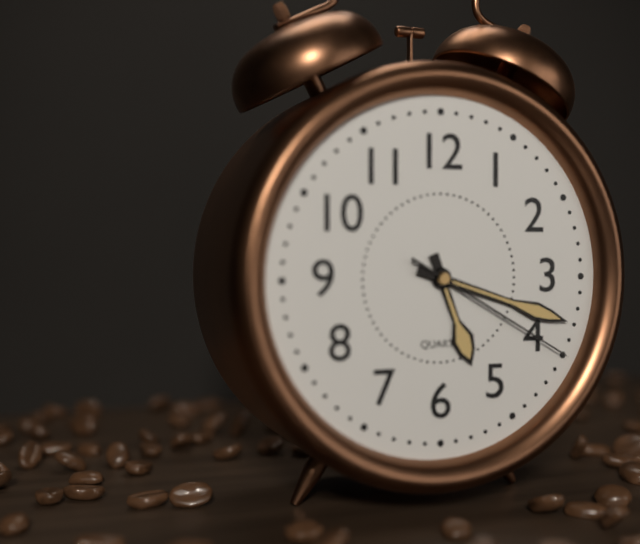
{"hour": 5, "minute": 18, "second": 20}
